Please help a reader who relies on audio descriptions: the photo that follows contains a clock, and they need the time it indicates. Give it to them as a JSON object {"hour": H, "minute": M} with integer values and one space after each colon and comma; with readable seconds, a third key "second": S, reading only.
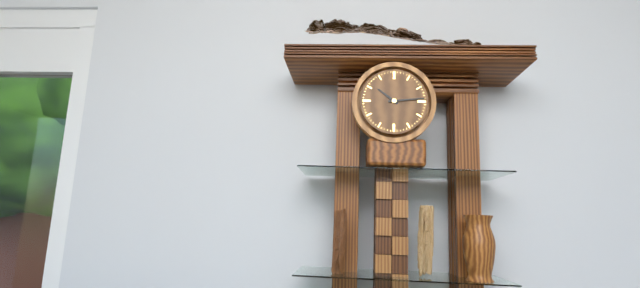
{"hour": 10, "minute": 14}
